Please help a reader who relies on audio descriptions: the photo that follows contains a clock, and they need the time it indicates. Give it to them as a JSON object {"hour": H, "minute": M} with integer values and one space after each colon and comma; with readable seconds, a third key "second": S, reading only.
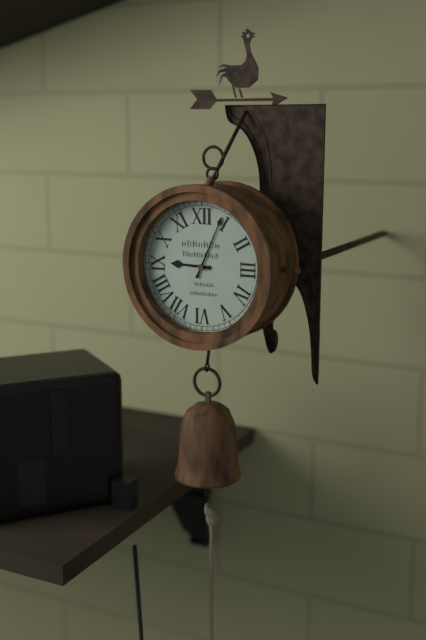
{"hour": 9, "minute": 4}
